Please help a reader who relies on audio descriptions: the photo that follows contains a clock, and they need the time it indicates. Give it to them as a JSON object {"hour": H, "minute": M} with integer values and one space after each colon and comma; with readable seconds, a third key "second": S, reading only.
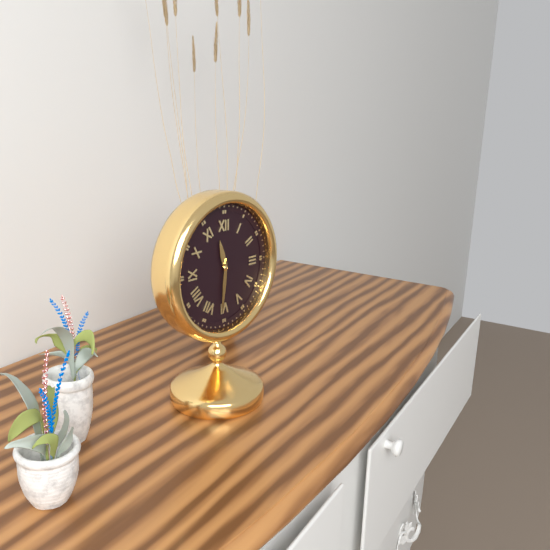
{"hour": 11, "minute": 31}
